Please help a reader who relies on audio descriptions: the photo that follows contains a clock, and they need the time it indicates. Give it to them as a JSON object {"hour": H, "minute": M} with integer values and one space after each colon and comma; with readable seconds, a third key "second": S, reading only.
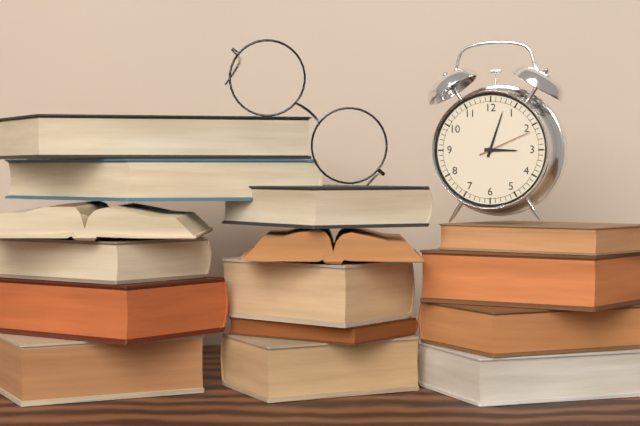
{"hour": 3, "minute": 3, "second": 11}
